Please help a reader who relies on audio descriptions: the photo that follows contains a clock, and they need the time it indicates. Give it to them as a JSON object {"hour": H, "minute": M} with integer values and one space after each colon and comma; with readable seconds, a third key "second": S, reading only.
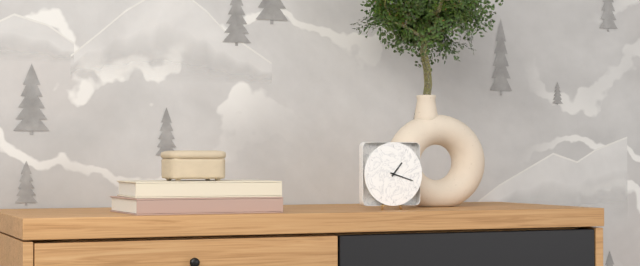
{"hour": 1, "minute": 18}
